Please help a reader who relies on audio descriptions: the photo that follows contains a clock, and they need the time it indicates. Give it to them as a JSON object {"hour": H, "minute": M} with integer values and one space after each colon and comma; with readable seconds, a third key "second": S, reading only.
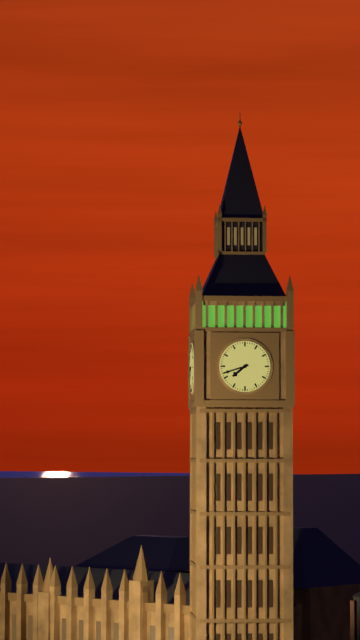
{"hour": 7, "minute": 42}
